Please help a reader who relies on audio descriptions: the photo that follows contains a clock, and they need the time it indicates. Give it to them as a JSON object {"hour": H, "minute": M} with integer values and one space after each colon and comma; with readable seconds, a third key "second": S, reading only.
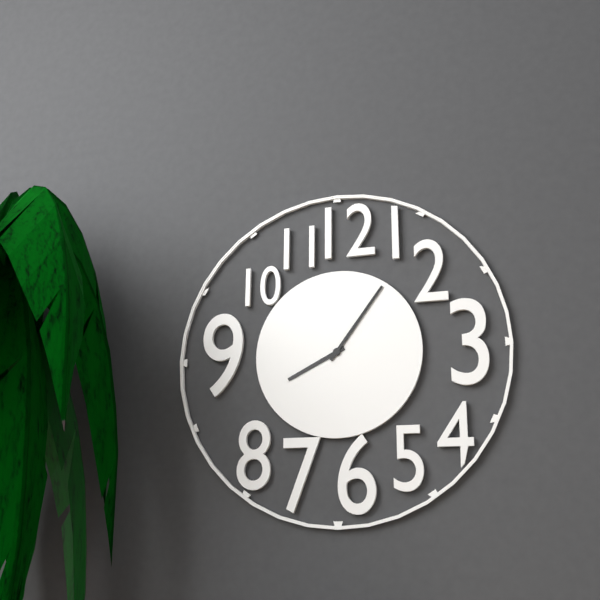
{"hour": 8, "minute": 6}
